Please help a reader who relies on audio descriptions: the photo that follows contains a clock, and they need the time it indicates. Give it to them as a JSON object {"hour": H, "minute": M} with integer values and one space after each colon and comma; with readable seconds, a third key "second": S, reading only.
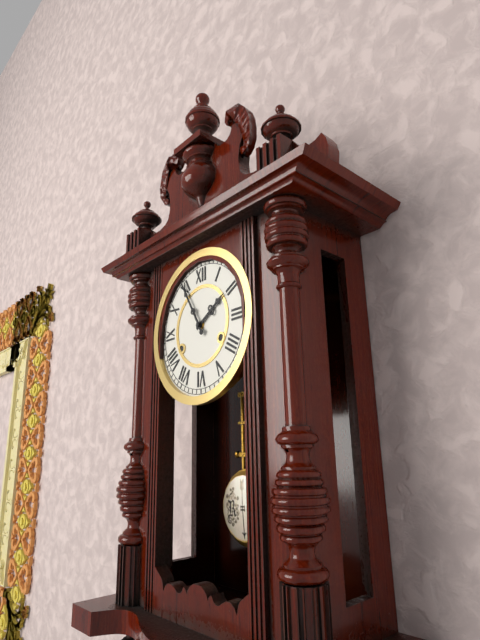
{"hour": 1, "minute": 55}
